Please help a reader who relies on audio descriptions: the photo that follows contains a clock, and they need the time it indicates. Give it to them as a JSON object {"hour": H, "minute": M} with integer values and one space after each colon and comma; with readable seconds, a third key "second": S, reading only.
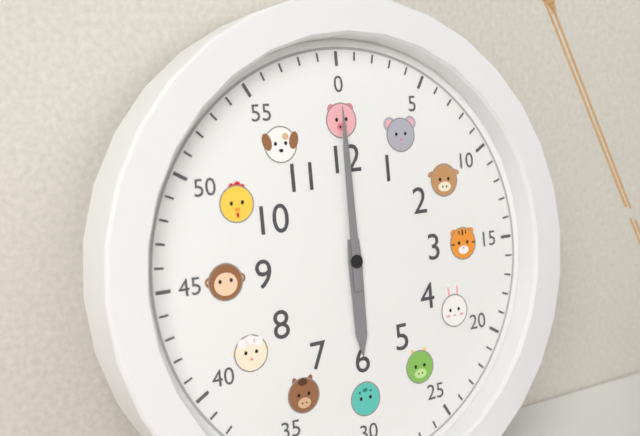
{"hour": 6, "minute": 0}
